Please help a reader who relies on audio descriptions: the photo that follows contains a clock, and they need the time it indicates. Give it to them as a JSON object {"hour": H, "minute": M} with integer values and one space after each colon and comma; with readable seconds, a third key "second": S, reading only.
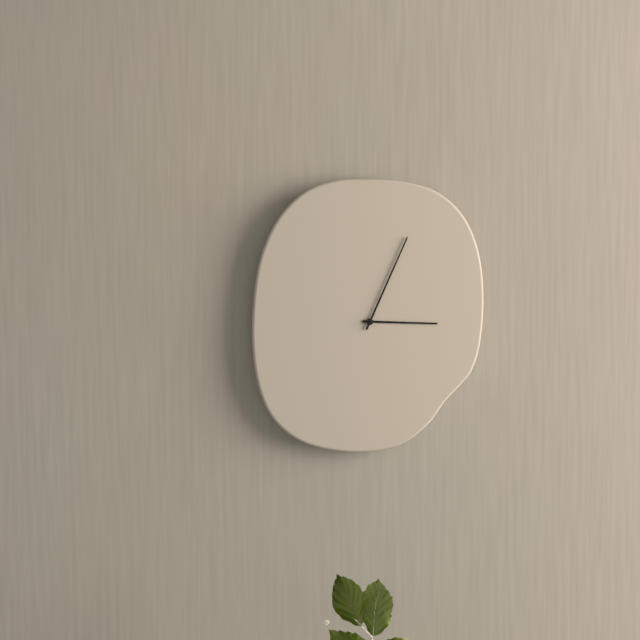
{"hour": 3, "minute": 4}
